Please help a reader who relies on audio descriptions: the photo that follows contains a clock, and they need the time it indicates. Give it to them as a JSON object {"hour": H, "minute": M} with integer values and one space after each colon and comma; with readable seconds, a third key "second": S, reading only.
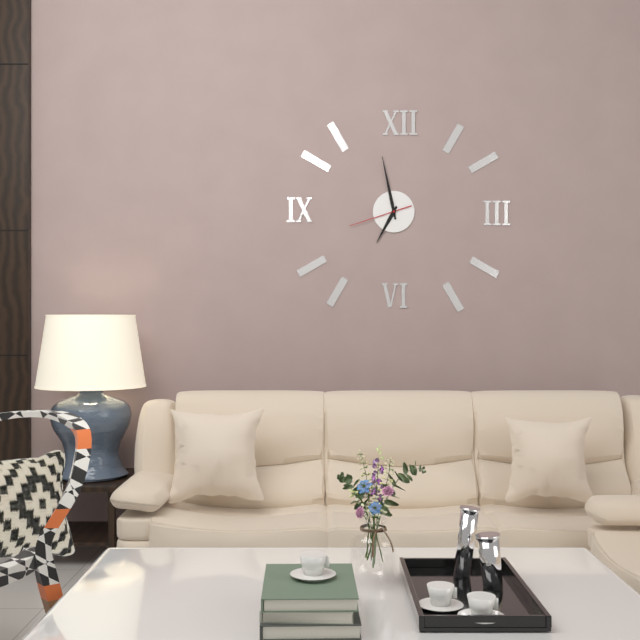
{"hour": 6, "minute": 58, "second": 42}
